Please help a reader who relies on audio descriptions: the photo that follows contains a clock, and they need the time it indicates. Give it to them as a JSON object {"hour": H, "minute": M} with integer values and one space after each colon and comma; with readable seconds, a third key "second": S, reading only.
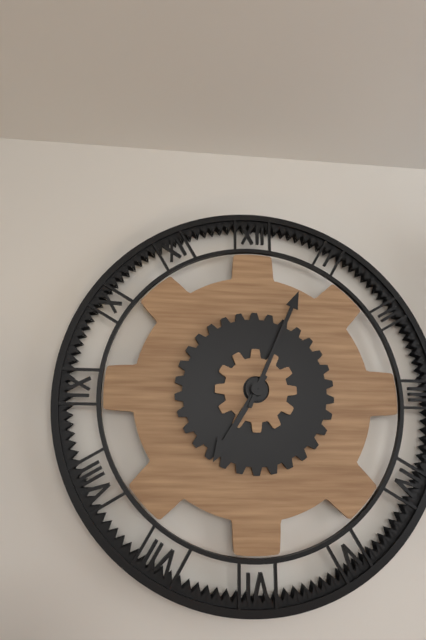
{"hour": 7, "minute": 4}
